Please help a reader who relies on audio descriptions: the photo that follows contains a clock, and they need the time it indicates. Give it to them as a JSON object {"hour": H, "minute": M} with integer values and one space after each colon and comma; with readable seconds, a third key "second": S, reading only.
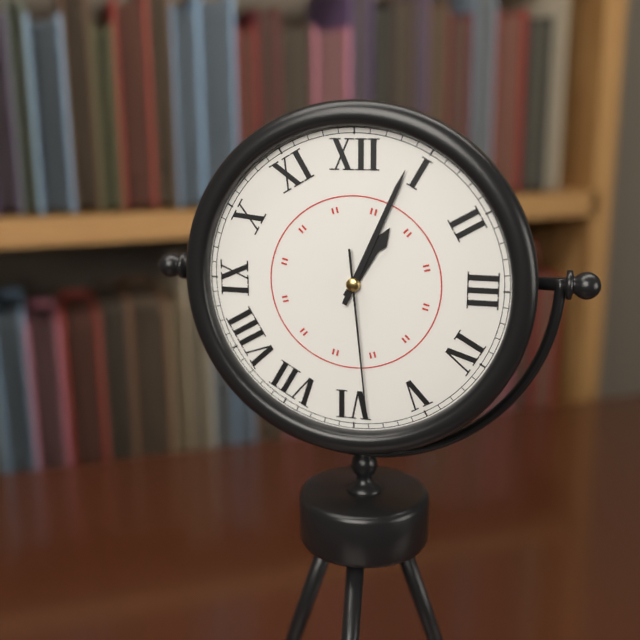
{"hour": 1, "minute": 4, "second": 29}
